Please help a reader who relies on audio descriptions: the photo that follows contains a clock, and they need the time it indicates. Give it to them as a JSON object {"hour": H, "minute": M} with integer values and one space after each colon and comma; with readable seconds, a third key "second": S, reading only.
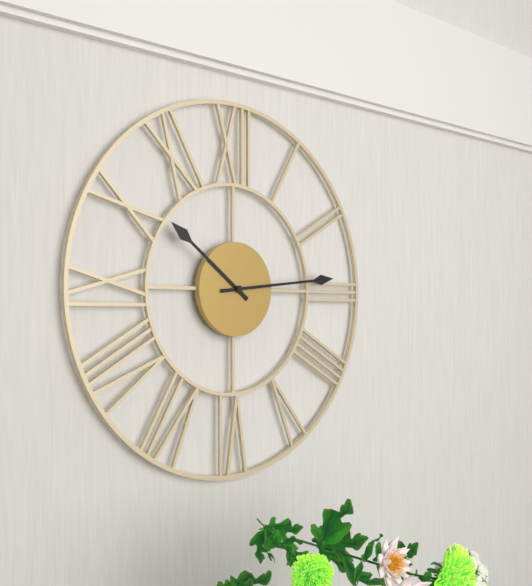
{"hour": 10, "minute": 14}
